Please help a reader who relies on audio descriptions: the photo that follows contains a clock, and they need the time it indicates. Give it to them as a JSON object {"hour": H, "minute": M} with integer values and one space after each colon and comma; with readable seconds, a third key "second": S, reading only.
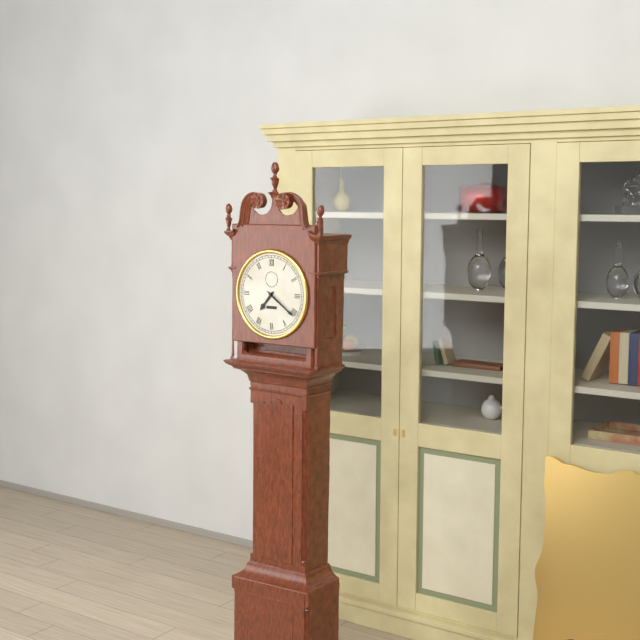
{"hour": 7, "minute": 21}
